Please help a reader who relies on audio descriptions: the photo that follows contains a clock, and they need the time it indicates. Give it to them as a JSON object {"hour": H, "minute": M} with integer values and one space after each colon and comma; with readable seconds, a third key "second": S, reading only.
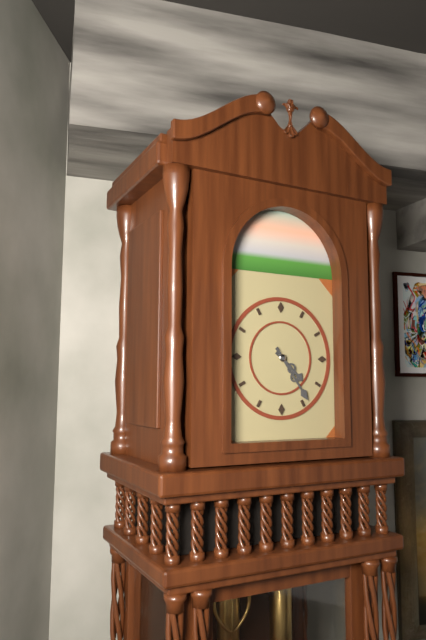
{"hour": 4, "minute": 24}
